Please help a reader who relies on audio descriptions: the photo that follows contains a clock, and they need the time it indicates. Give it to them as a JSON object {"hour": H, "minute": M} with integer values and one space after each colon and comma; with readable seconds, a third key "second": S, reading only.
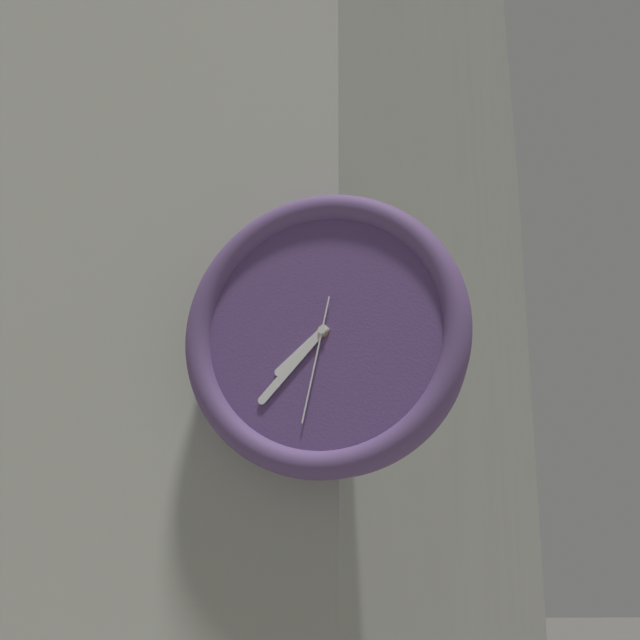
{"hour": 7, "minute": 37, "second": 32}
